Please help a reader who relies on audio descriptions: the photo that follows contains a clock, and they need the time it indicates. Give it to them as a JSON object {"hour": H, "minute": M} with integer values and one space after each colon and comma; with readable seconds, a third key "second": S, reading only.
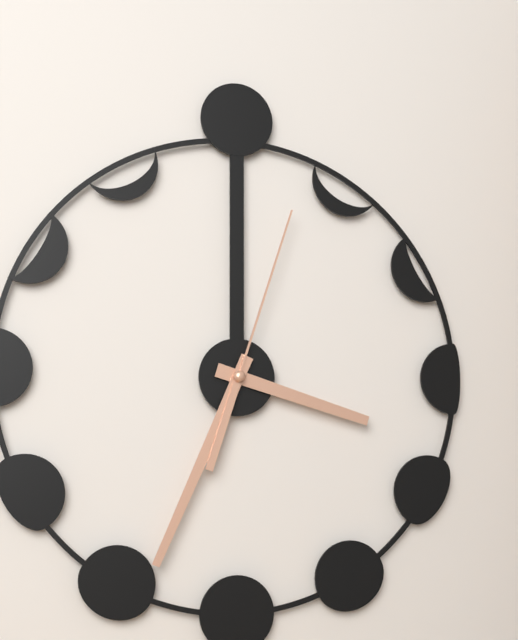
{"hour": 3, "minute": 34, "second": 3}
